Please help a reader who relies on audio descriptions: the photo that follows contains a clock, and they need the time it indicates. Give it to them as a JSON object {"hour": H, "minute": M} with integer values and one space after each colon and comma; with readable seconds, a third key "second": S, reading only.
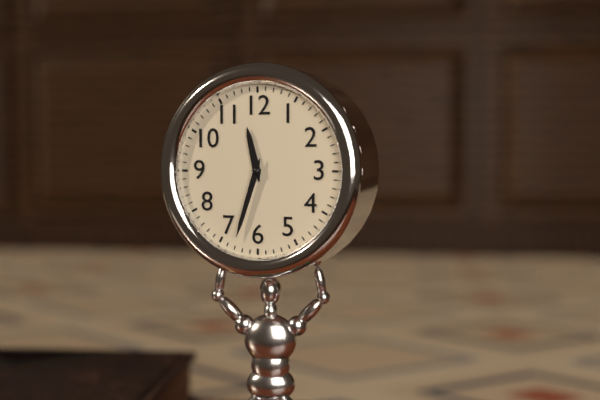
{"hour": 11, "minute": 33}
